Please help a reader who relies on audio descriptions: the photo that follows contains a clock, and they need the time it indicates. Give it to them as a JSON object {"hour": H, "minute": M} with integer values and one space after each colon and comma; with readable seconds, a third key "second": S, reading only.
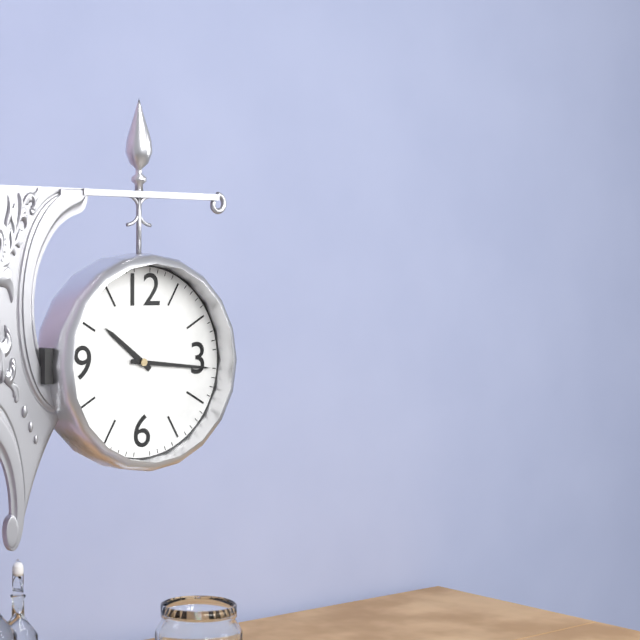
{"hour": 10, "minute": 16}
